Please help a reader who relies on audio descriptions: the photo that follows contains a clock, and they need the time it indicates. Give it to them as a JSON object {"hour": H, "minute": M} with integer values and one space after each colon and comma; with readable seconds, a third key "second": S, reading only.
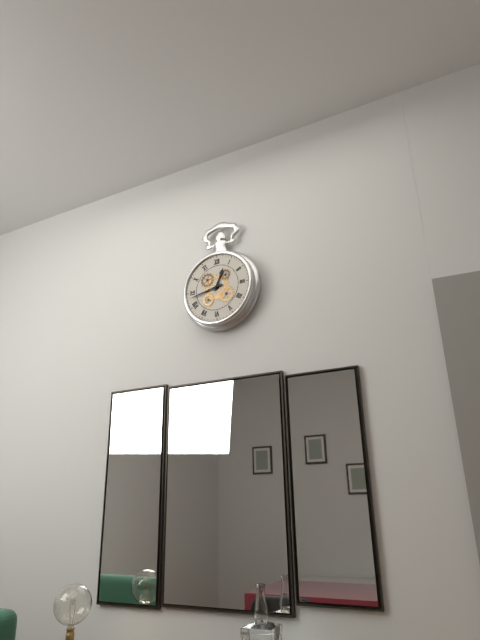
{"hour": 12, "minute": 43}
